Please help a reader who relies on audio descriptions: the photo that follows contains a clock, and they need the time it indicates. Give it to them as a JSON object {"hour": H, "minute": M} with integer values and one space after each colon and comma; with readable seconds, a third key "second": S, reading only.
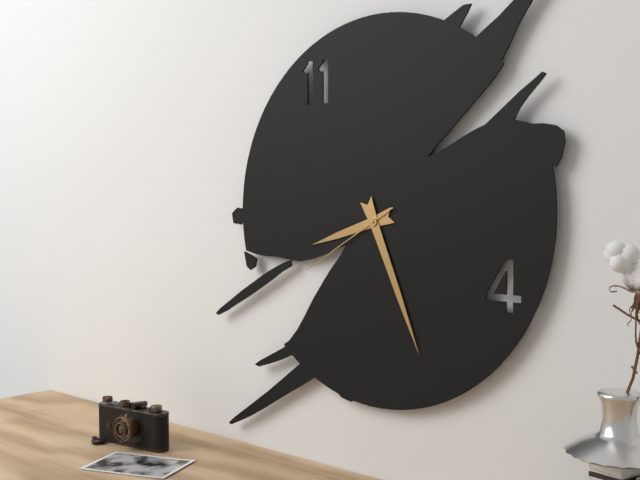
{"hour": 8, "minute": 26, "second": 40}
